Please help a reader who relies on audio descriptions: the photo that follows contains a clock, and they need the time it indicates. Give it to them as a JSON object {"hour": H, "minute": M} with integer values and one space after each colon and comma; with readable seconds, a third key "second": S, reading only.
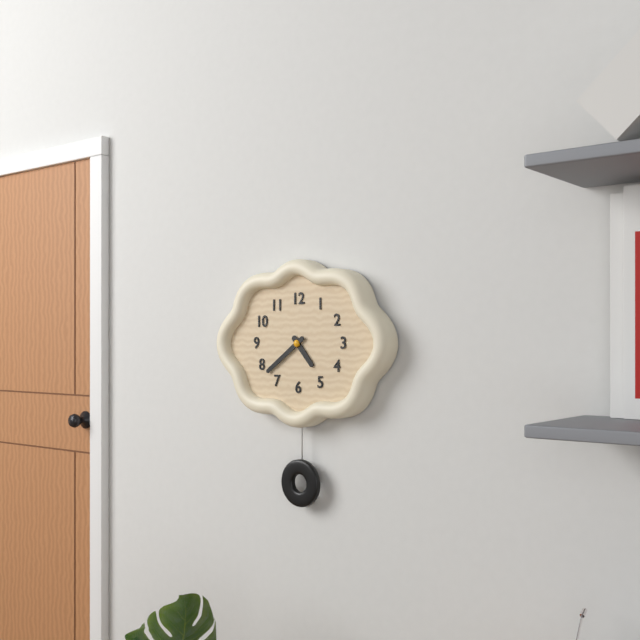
{"hour": 4, "minute": 39}
